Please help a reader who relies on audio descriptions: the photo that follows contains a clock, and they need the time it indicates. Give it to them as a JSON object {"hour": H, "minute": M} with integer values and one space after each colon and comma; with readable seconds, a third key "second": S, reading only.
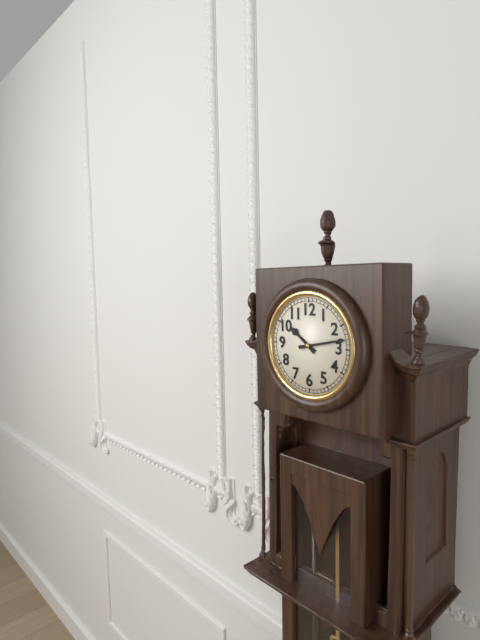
{"hour": 10, "minute": 13}
